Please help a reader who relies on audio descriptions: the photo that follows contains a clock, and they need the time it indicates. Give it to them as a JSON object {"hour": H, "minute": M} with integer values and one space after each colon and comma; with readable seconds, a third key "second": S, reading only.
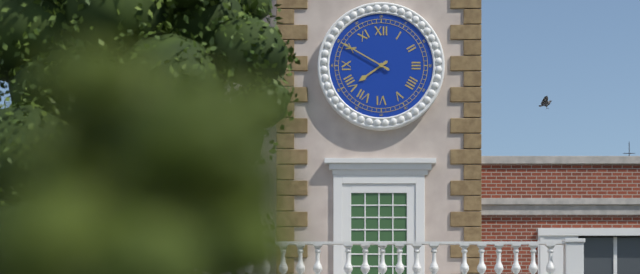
{"hour": 7, "minute": 50}
